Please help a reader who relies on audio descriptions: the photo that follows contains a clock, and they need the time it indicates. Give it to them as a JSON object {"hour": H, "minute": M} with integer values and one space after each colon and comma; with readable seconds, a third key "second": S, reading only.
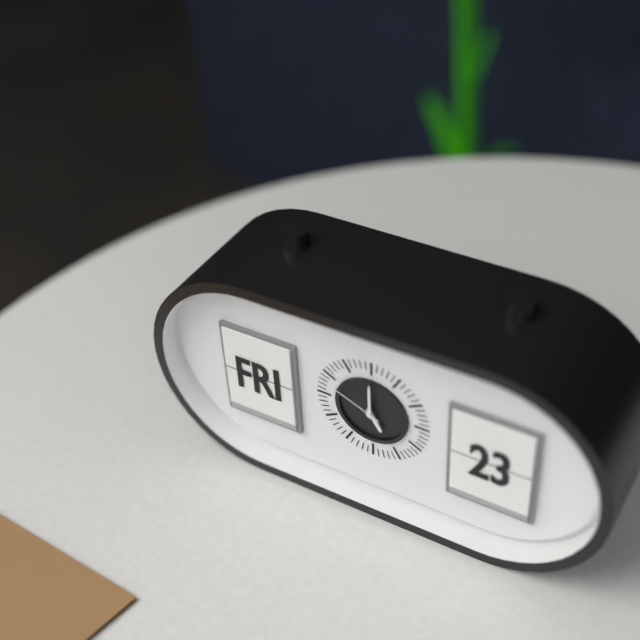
{"hour": 5, "minute": 0, "second": 49}
